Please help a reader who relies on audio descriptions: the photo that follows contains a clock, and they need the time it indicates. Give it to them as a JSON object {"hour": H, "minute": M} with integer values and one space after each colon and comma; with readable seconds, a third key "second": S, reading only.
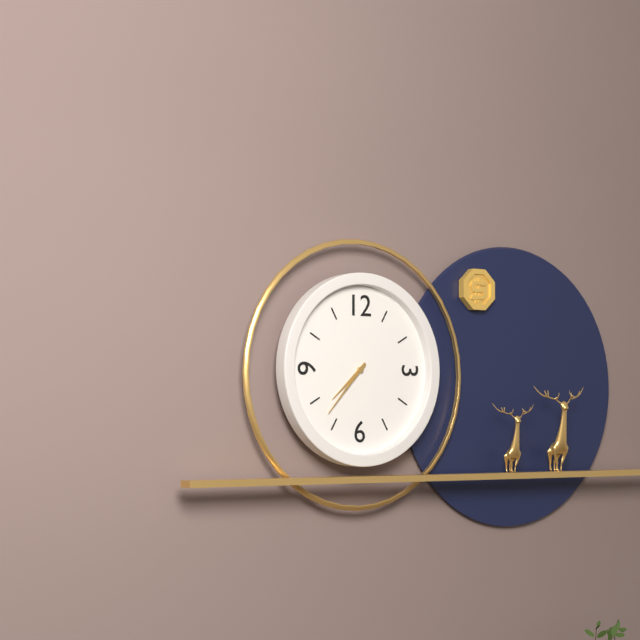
{"hour": 7, "minute": 37}
